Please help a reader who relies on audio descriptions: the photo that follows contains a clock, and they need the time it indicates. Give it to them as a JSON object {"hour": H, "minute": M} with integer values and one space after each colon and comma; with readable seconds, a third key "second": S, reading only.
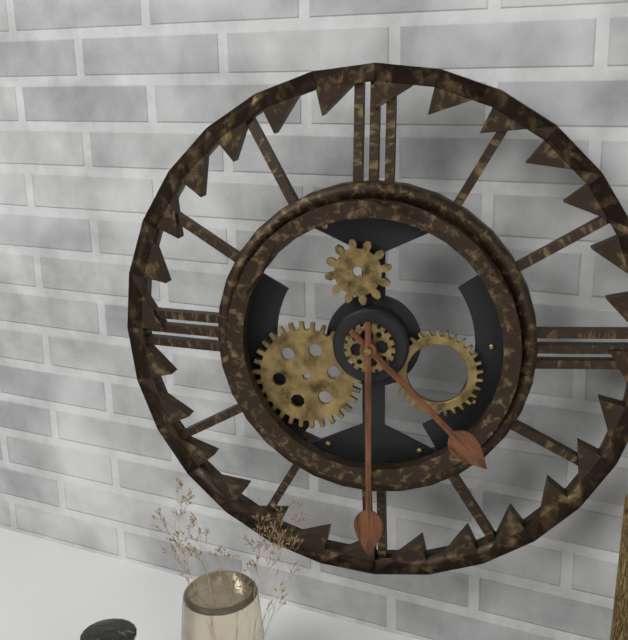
{"hour": 4, "minute": 30}
